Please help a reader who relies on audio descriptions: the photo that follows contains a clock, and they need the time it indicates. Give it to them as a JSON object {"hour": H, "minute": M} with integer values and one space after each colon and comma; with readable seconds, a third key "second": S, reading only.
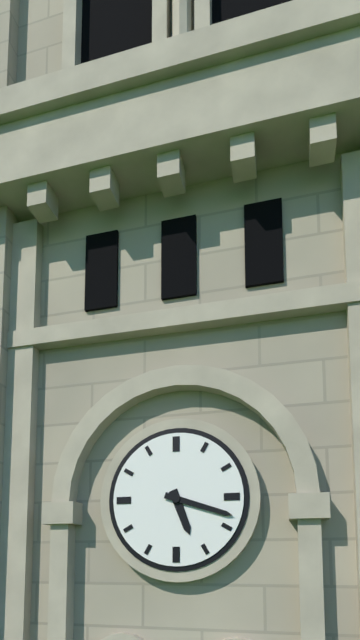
{"hour": 5, "minute": 18}
